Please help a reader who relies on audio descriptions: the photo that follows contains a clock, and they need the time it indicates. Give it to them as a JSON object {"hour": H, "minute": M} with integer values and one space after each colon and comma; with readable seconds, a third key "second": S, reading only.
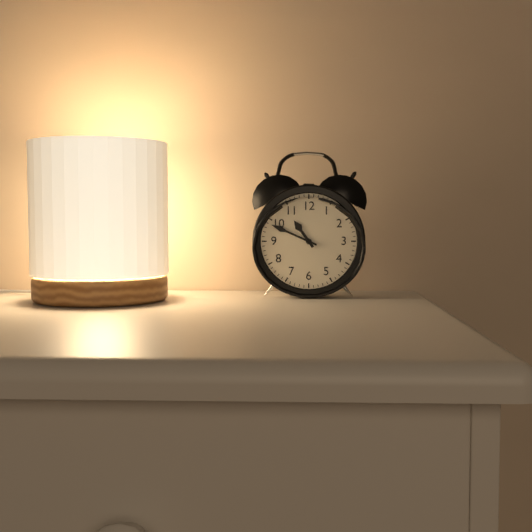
{"hour": 10, "minute": 49}
